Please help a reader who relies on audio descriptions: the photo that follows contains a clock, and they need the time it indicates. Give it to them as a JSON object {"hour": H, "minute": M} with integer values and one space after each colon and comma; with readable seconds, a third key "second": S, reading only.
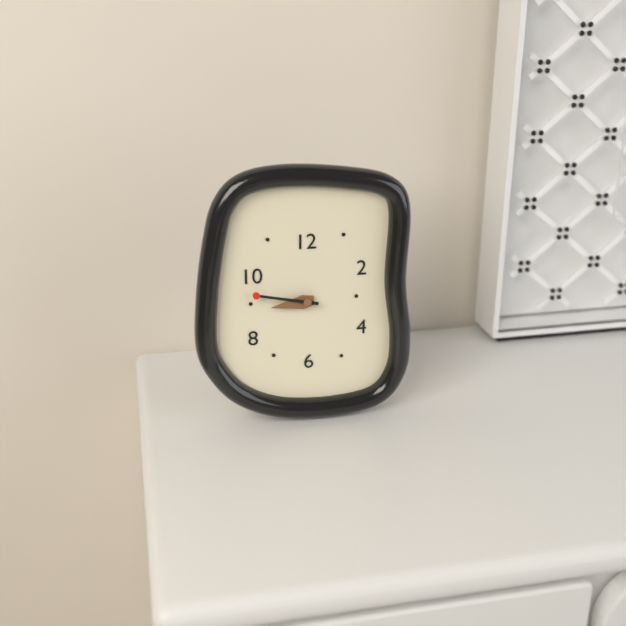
{"hour": 8, "minute": 47}
